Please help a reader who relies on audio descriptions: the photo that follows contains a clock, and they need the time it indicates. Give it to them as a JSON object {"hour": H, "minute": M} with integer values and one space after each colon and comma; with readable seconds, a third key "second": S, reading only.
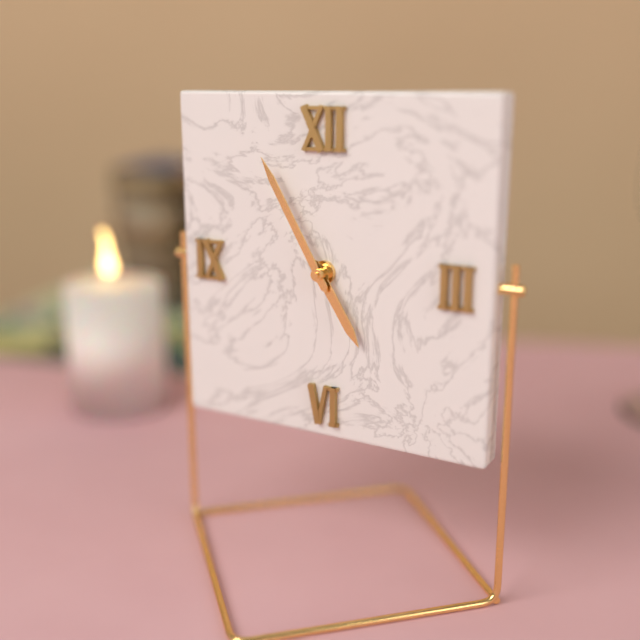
{"hour": 4, "minute": 55}
